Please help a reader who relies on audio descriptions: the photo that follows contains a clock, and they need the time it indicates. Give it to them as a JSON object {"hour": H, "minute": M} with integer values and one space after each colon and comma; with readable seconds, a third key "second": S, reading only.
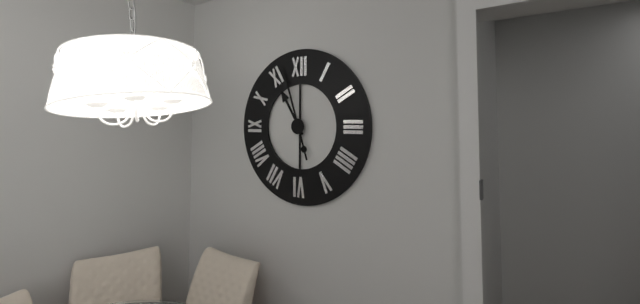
{"hour": 10, "minute": 57}
